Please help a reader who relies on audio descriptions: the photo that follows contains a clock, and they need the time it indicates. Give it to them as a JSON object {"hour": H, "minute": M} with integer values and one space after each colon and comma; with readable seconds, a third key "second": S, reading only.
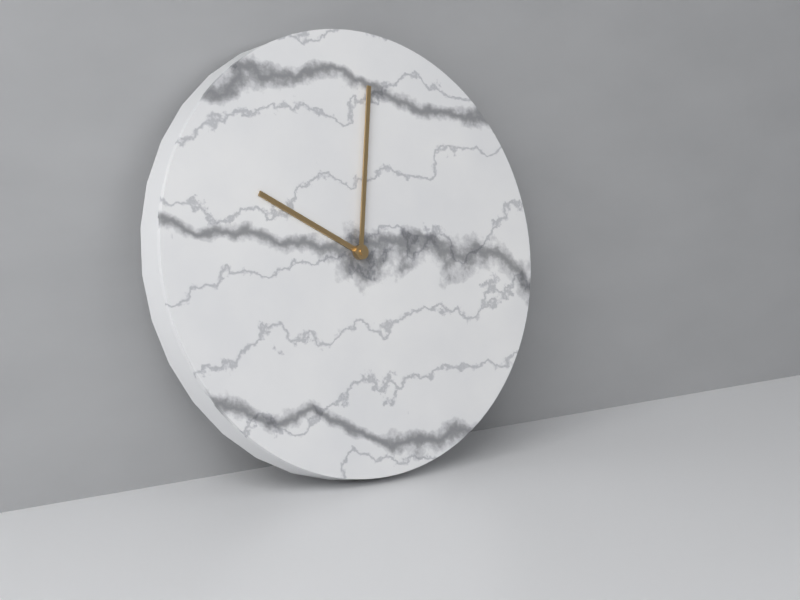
{"hour": 10, "minute": 2}
